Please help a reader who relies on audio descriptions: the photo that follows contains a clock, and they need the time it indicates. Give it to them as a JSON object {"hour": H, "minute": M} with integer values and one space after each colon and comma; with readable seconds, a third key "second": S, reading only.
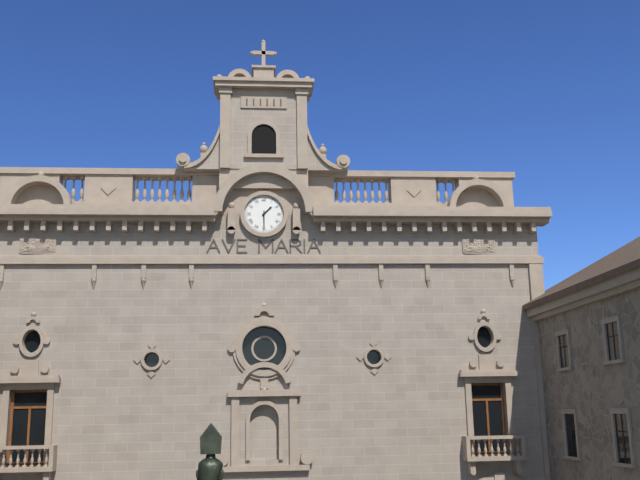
{"hour": 1, "minute": 30}
